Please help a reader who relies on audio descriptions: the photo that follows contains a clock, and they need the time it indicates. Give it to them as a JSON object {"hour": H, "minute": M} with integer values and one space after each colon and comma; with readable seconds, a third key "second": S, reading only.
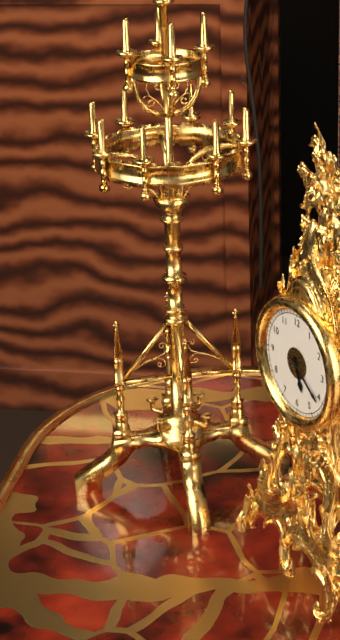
{"hour": 5, "minute": 21}
